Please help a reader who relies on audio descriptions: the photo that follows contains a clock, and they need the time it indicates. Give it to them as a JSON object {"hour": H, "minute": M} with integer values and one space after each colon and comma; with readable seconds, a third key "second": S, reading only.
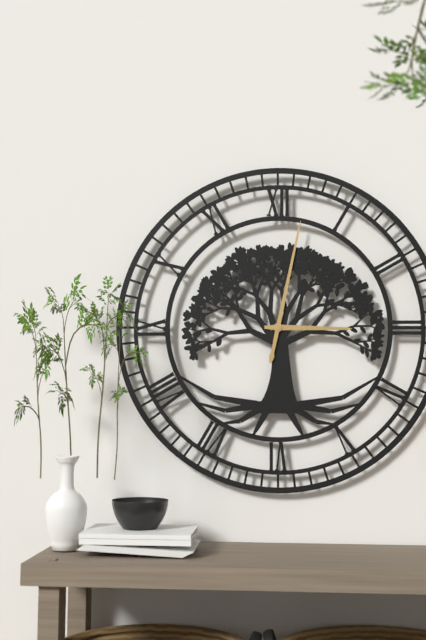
{"hour": 3, "minute": 2}
